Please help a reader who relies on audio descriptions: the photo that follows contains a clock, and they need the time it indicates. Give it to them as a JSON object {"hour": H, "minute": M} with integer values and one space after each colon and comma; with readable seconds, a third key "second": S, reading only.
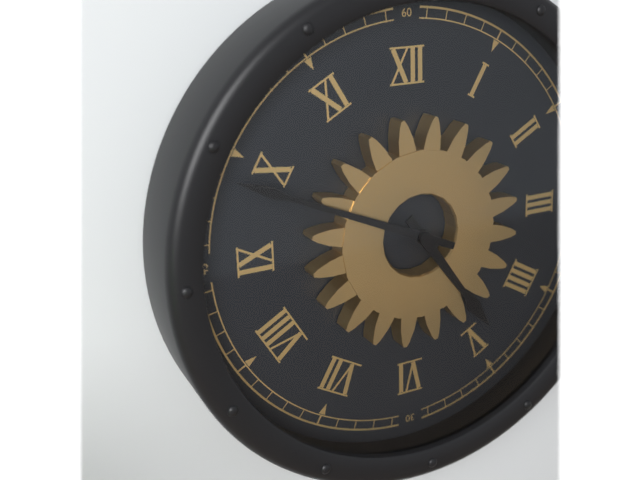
{"hour": 4, "minute": 49}
